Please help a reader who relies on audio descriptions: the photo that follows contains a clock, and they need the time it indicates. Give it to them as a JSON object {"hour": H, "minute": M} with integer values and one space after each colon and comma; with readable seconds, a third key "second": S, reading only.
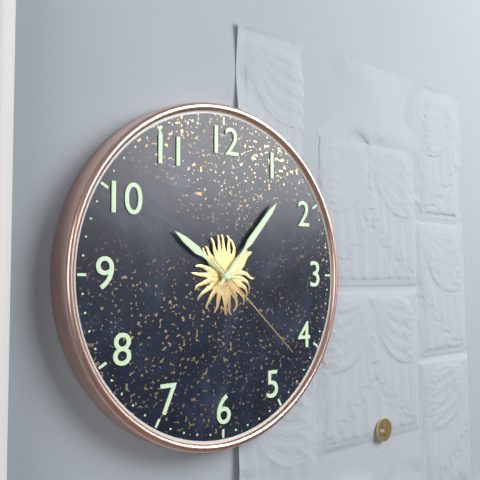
{"hour": 10, "minute": 7, "second": 22}
